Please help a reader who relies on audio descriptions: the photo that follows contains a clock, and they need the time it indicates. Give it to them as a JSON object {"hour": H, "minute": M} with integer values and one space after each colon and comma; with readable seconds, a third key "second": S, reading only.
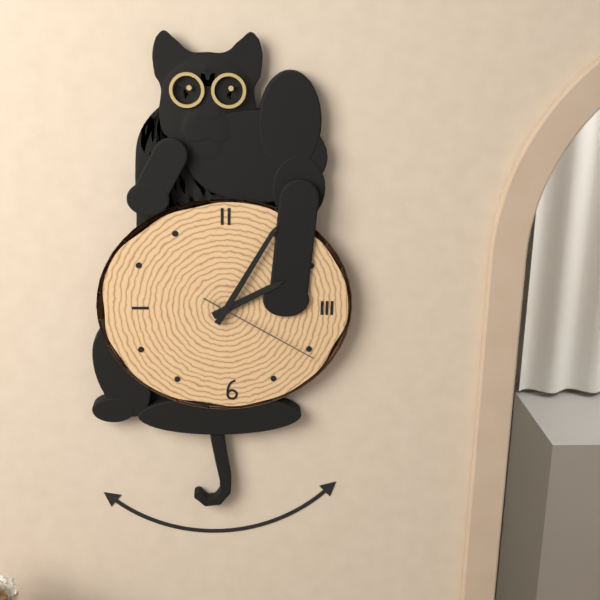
{"hour": 2, "minute": 5, "second": 20}
